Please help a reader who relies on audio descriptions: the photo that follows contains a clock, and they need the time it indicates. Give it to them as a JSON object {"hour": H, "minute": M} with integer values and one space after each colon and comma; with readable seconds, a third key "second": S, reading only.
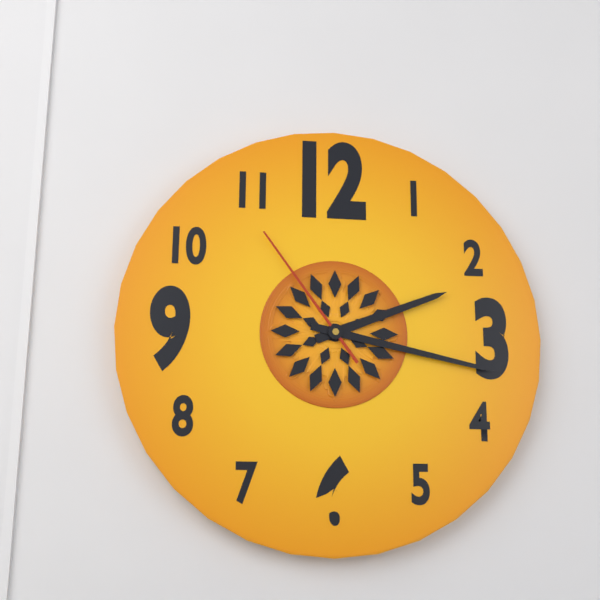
{"hour": 2, "minute": 17, "second": 54}
